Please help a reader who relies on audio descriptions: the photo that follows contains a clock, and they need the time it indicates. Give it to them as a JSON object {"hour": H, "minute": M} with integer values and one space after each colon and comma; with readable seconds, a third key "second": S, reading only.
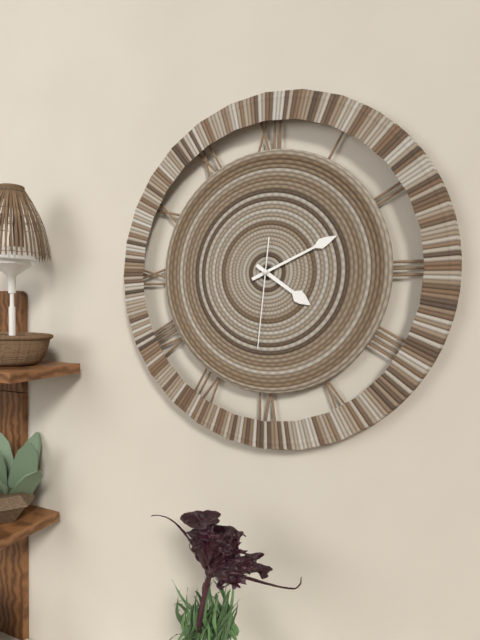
{"hour": 4, "minute": 11, "second": 31}
